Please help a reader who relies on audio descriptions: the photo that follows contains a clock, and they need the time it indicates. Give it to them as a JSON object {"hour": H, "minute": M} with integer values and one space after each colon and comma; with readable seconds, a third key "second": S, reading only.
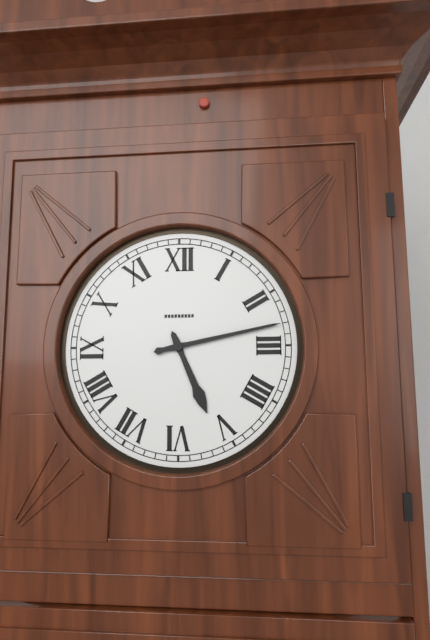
{"hour": 5, "minute": 13}
